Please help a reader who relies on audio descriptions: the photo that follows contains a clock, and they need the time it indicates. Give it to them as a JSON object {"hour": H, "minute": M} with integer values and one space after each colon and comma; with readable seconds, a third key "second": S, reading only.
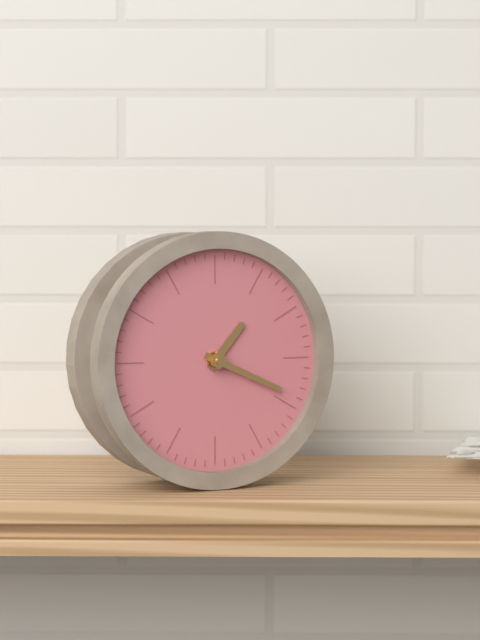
{"hour": 1, "minute": 19}
